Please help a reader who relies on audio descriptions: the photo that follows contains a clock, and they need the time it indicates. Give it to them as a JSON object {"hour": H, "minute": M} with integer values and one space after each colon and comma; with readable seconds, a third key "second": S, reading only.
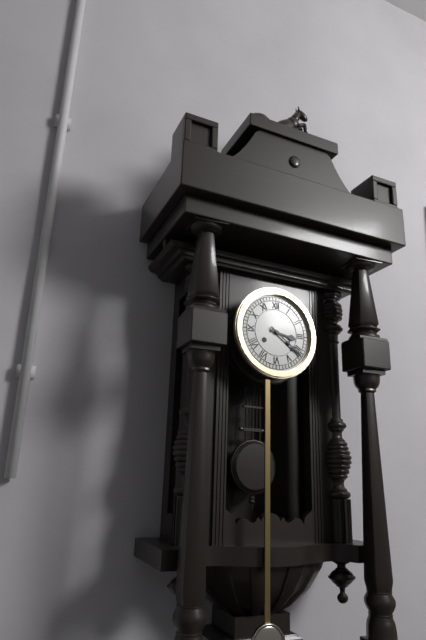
{"hour": 3, "minute": 21}
